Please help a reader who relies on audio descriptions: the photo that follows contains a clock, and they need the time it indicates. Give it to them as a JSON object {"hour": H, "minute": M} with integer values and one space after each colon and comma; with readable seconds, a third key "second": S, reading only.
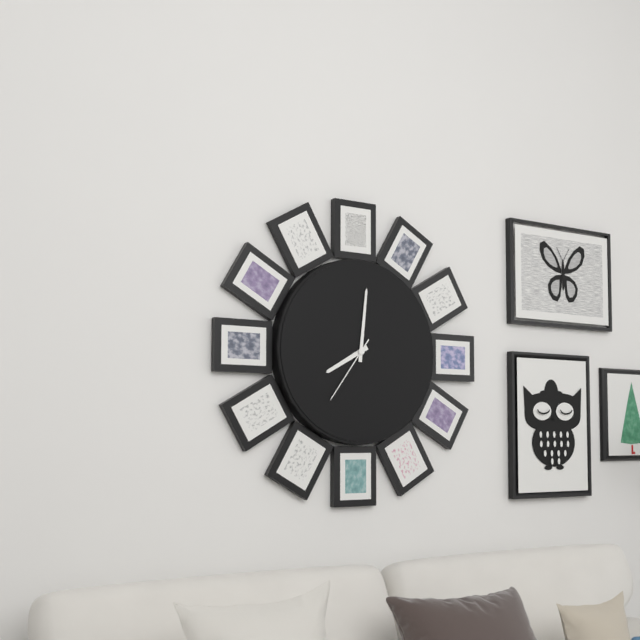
{"hour": 8, "minute": 1, "second": 36}
